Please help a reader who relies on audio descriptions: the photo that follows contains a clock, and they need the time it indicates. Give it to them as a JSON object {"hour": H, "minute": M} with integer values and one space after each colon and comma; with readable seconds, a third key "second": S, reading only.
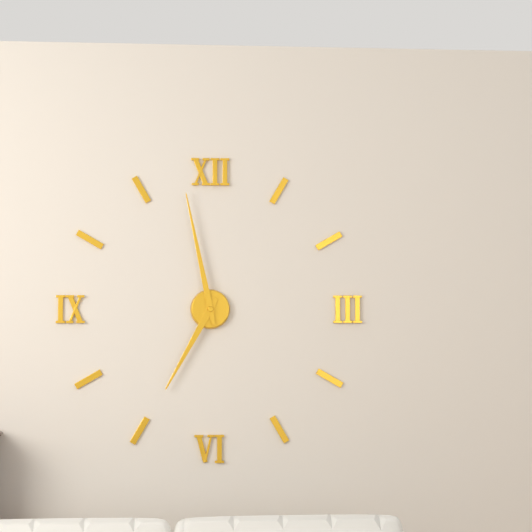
{"hour": 6, "minute": 58}
